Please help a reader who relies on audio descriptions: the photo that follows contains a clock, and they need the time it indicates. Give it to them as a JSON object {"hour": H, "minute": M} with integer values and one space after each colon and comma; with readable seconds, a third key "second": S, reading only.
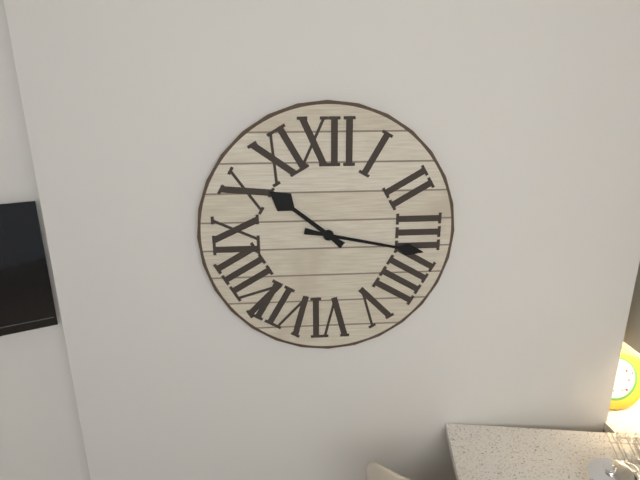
{"hour": 10, "minute": 17}
